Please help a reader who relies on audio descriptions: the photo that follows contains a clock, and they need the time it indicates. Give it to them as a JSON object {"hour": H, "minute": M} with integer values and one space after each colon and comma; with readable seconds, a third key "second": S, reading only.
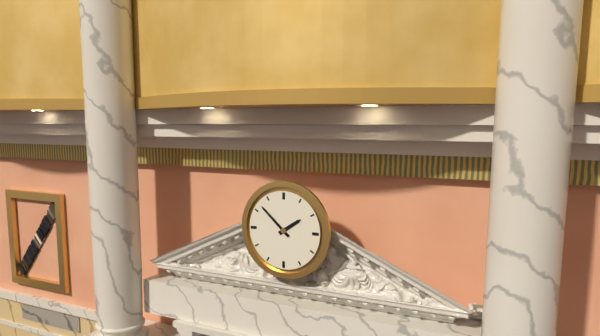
{"hour": 1, "minute": 52}
